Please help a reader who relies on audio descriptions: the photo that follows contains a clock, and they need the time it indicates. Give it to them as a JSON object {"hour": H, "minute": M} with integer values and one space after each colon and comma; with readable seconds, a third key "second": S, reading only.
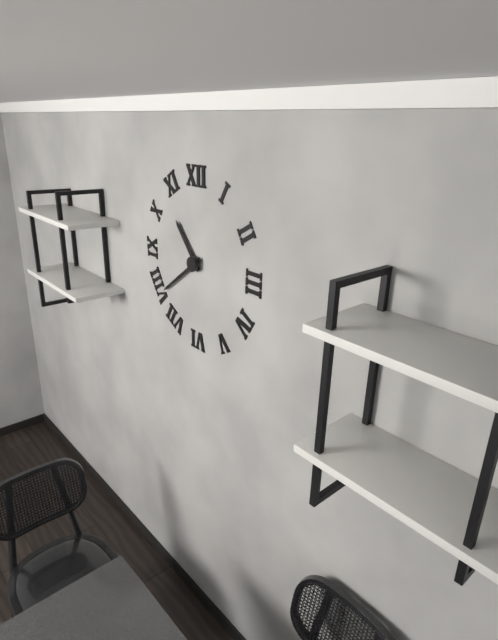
{"hour": 10, "minute": 39}
